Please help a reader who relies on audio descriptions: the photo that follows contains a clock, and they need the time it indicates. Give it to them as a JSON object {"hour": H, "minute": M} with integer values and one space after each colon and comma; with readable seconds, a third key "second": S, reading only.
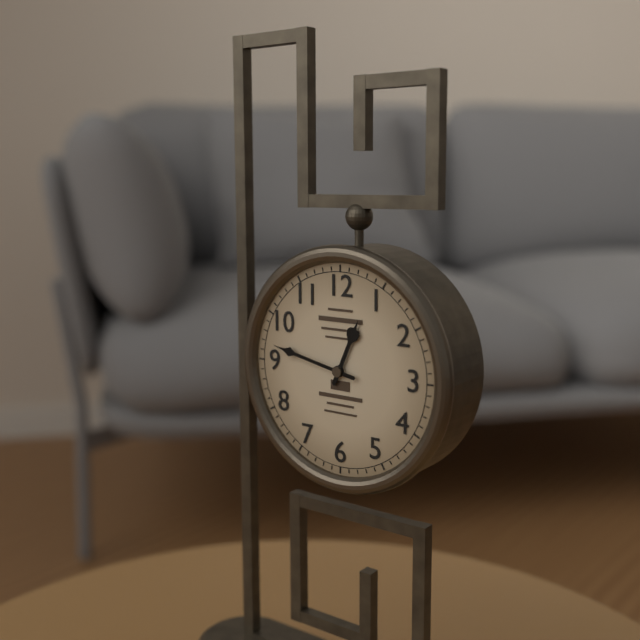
{"hour": 12, "minute": 47}
